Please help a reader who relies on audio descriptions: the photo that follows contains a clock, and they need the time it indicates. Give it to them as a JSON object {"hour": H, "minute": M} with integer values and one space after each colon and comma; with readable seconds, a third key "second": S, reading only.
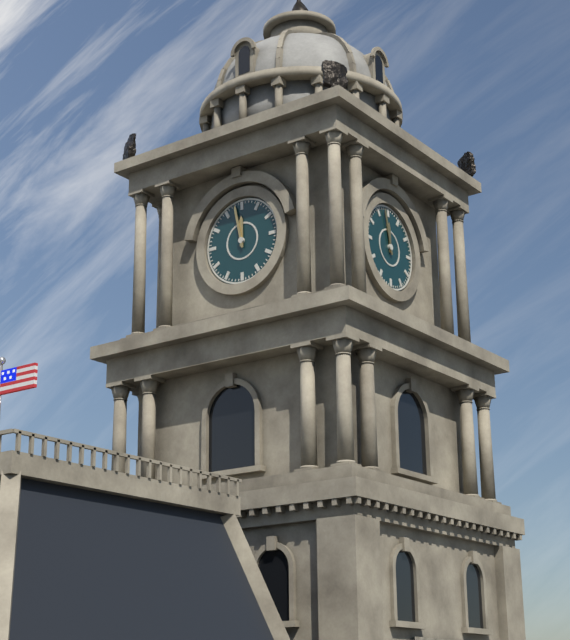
{"hour": 11, "minute": 58}
